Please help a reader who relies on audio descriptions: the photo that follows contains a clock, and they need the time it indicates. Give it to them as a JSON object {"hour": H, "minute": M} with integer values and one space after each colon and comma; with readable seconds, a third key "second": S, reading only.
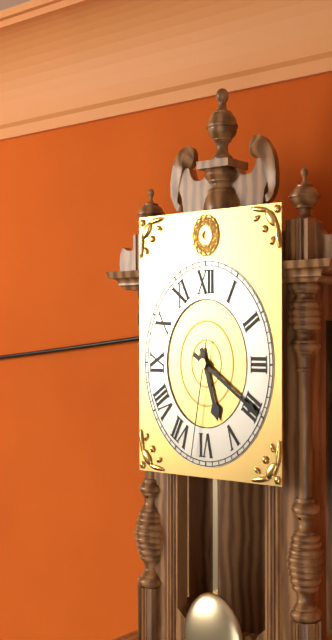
{"hour": 5, "minute": 20, "second": 32}
